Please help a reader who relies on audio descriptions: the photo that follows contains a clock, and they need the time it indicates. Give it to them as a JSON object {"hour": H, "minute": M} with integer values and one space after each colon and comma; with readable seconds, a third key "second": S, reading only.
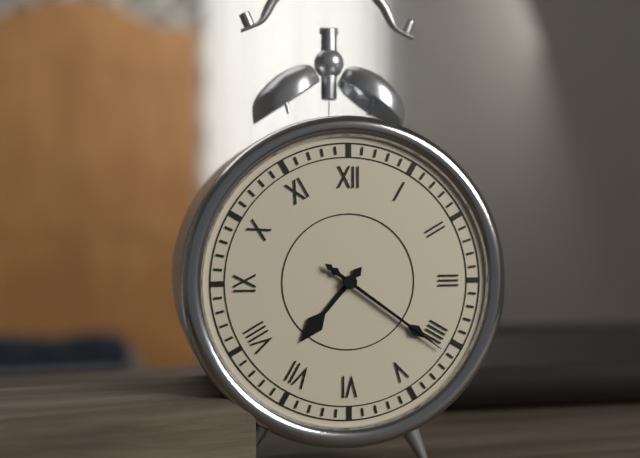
{"hour": 7, "minute": 21, "second": 21}
